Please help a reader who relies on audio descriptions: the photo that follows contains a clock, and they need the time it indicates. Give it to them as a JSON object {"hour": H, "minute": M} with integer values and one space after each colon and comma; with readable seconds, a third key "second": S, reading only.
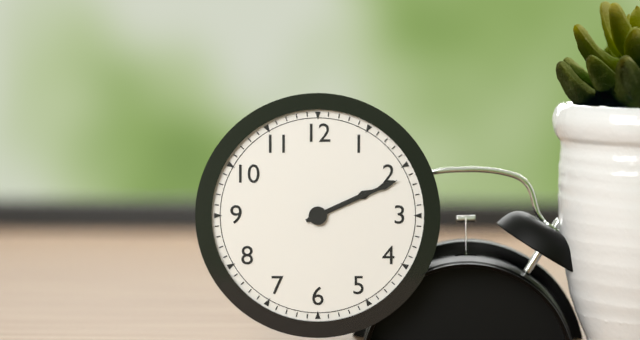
{"hour": 2, "minute": 11}
